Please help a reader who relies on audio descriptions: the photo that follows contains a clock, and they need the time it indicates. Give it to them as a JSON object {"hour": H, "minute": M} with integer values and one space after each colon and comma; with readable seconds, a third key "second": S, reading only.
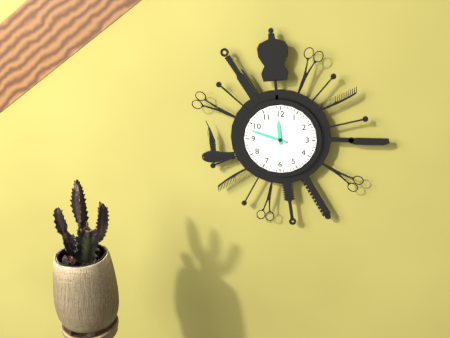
{"hour": 11, "minute": 48}
